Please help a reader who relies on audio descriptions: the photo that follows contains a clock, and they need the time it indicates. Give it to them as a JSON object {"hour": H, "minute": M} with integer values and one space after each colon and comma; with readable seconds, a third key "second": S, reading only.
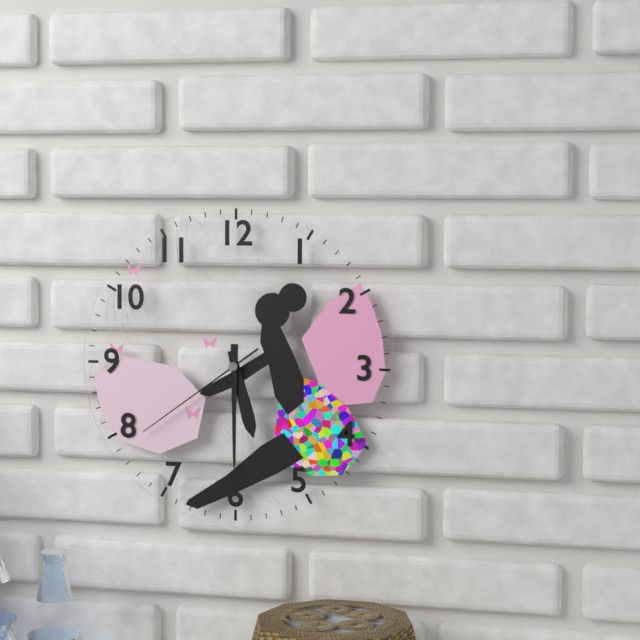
{"hour": 5, "minute": 30, "second": 39}
